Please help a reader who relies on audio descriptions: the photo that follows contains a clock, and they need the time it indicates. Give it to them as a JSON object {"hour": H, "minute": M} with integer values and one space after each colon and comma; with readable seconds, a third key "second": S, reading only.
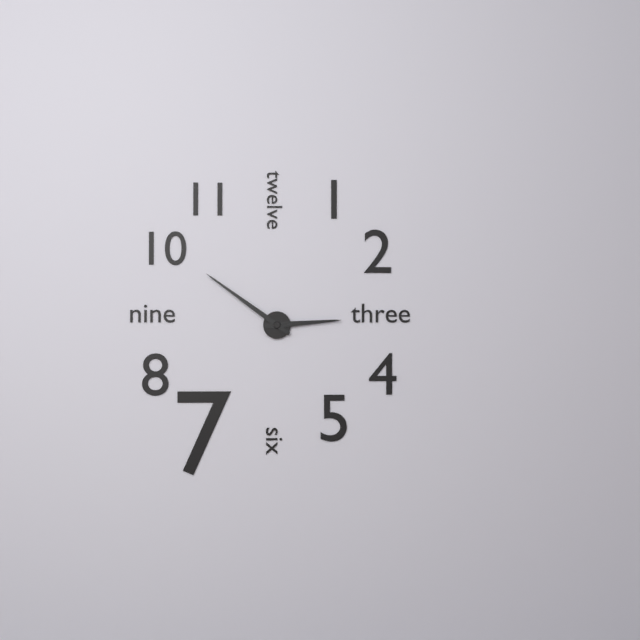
{"hour": 2, "minute": 51}
